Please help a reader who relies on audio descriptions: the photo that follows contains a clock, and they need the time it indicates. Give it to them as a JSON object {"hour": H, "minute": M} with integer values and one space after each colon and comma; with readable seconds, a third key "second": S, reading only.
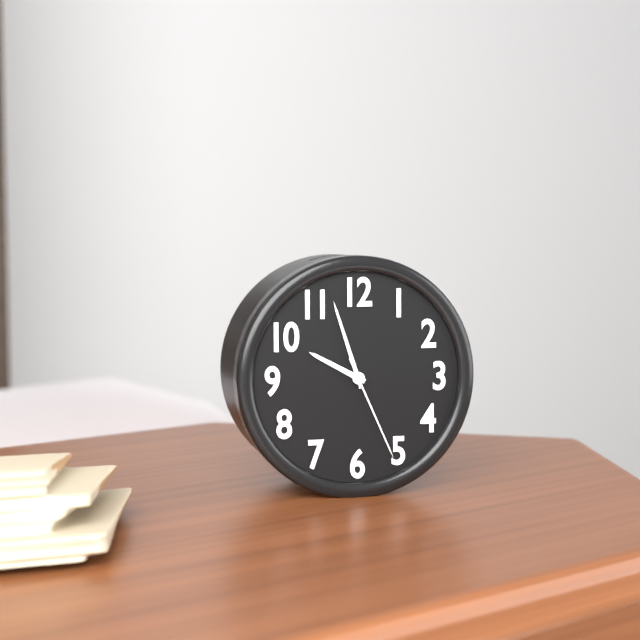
{"hour": 9, "minute": 57, "second": 26}
